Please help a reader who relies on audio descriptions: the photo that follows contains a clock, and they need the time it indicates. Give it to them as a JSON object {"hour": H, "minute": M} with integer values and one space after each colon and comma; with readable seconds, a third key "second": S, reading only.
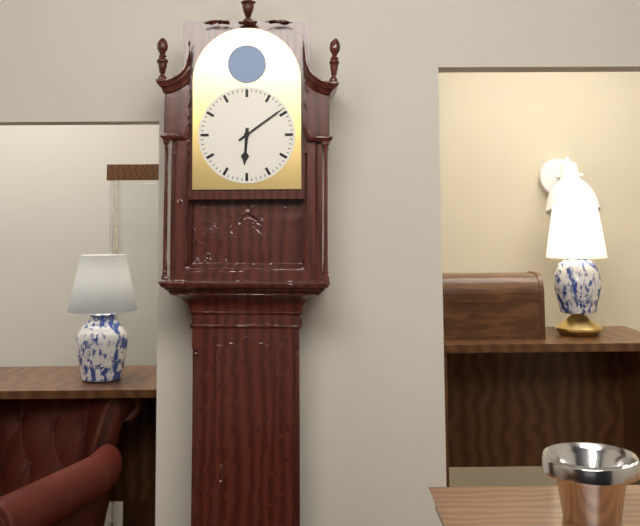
{"hour": 6, "minute": 9}
